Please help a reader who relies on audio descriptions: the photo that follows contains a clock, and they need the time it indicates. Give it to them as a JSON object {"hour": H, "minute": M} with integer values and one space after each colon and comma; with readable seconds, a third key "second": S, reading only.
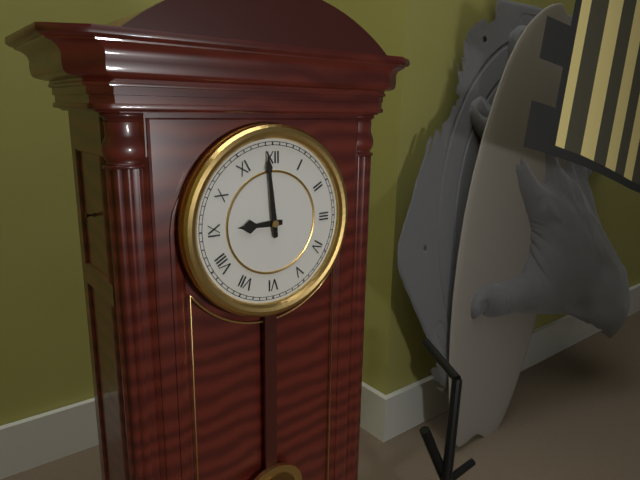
{"hour": 8, "minute": 59}
